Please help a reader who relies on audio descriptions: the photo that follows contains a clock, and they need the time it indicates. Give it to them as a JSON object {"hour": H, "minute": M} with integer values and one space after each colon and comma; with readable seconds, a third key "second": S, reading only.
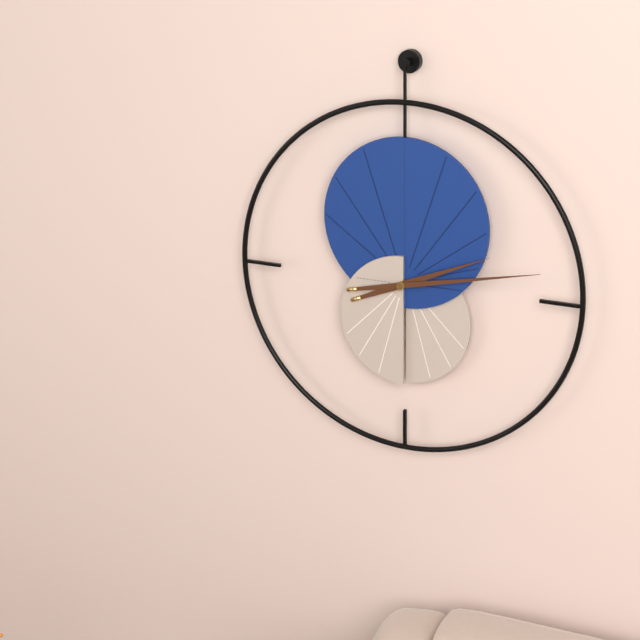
{"hour": 2, "minute": 13}
